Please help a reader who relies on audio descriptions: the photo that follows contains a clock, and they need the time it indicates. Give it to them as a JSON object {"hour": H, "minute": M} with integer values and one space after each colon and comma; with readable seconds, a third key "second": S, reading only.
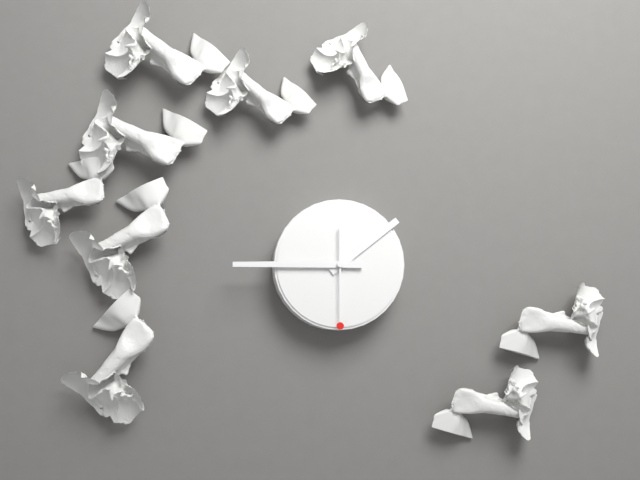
{"hour": 1, "minute": 45, "second": 30}
